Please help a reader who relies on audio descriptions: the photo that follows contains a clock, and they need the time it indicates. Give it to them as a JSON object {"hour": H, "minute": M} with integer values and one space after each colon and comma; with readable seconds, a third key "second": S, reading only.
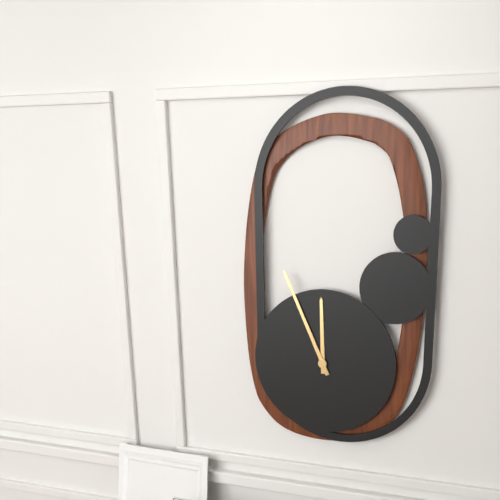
{"hour": 11, "minute": 56}
